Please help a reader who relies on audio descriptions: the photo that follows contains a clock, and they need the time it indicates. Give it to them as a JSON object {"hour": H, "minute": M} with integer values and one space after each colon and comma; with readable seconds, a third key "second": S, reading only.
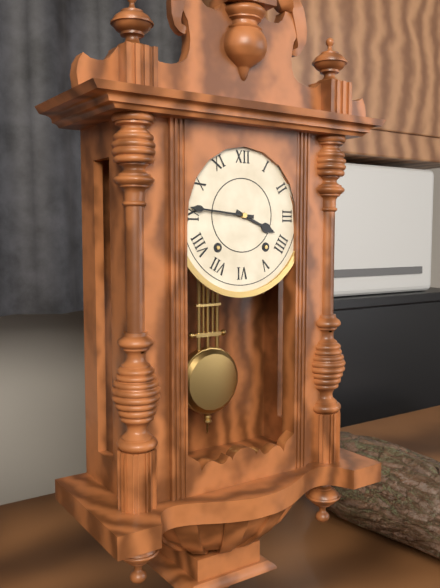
{"hour": 3, "minute": 46}
